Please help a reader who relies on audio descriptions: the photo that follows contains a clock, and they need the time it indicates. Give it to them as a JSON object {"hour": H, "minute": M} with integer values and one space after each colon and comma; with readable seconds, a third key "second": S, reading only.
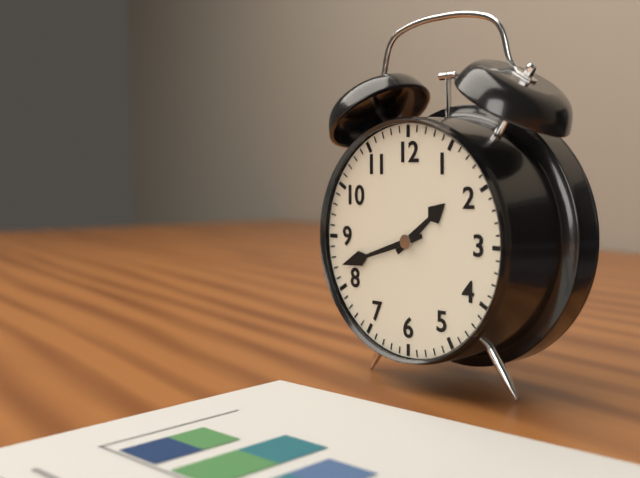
{"hour": 1, "minute": 42}
